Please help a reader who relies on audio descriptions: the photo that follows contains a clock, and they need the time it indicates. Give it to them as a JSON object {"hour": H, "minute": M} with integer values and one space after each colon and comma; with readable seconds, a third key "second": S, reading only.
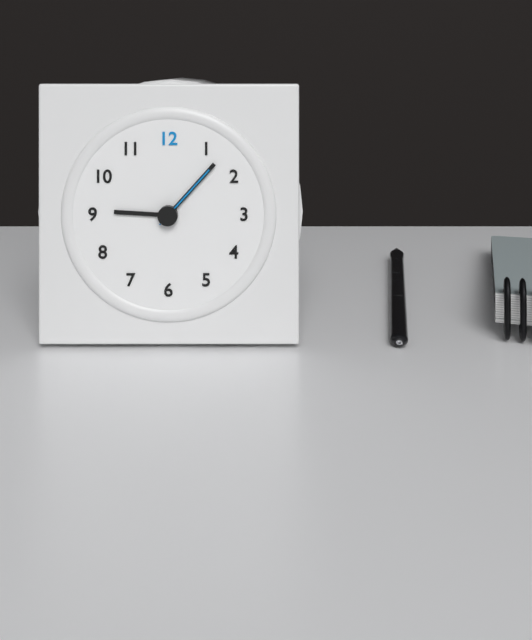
{"hour": 9, "minute": 7, "second": 7}
